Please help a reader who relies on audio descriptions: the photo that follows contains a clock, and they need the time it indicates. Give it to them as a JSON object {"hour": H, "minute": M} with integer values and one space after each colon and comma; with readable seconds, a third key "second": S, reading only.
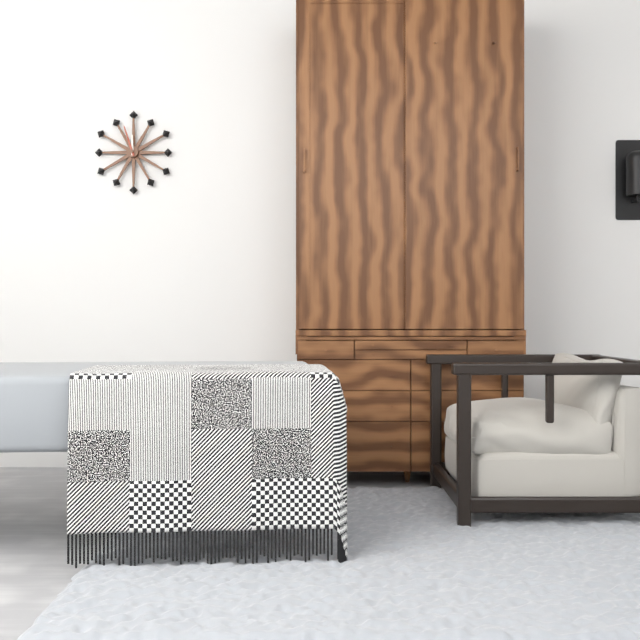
{"hour": 11, "minute": 57}
